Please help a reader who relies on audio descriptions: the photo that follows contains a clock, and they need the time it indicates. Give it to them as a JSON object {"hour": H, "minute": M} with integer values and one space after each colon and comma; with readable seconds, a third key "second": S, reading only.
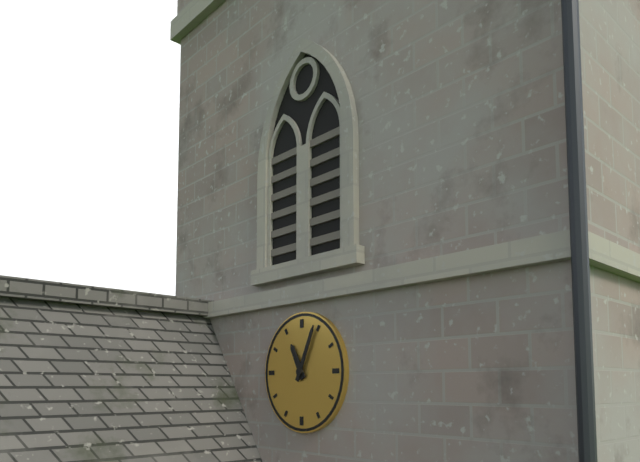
{"hour": 11, "minute": 4}
